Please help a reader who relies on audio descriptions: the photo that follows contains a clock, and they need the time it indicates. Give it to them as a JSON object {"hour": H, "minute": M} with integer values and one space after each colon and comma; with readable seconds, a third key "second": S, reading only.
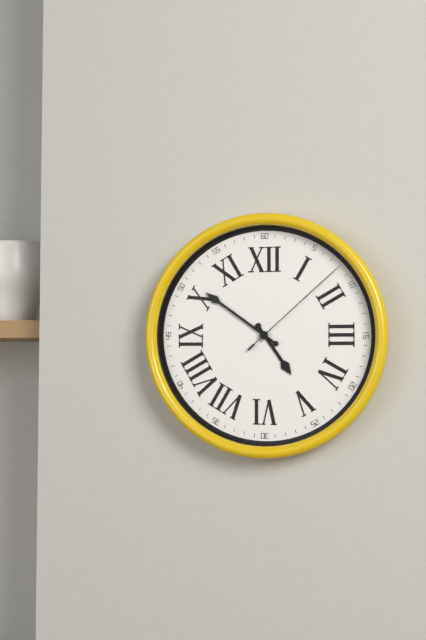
{"hour": 4, "minute": 51, "second": 8}
